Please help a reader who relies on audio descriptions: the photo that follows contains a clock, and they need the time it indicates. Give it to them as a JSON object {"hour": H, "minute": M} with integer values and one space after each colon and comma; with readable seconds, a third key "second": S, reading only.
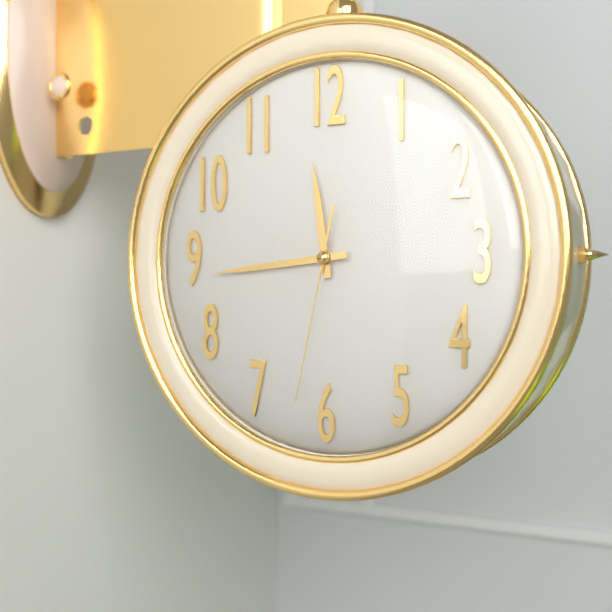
{"hour": 11, "minute": 44, "second": 32}
